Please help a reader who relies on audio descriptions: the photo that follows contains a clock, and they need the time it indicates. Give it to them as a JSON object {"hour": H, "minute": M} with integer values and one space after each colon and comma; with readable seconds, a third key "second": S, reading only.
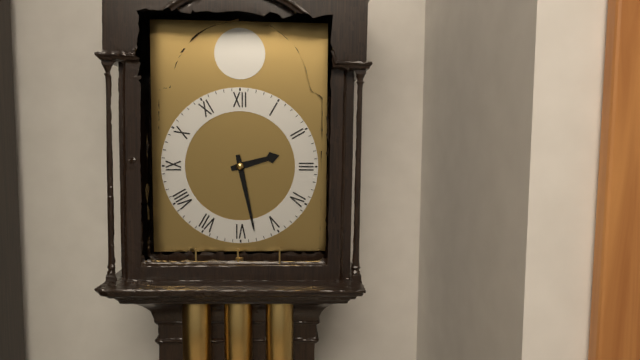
{"hour": 2, "minute": 28}
